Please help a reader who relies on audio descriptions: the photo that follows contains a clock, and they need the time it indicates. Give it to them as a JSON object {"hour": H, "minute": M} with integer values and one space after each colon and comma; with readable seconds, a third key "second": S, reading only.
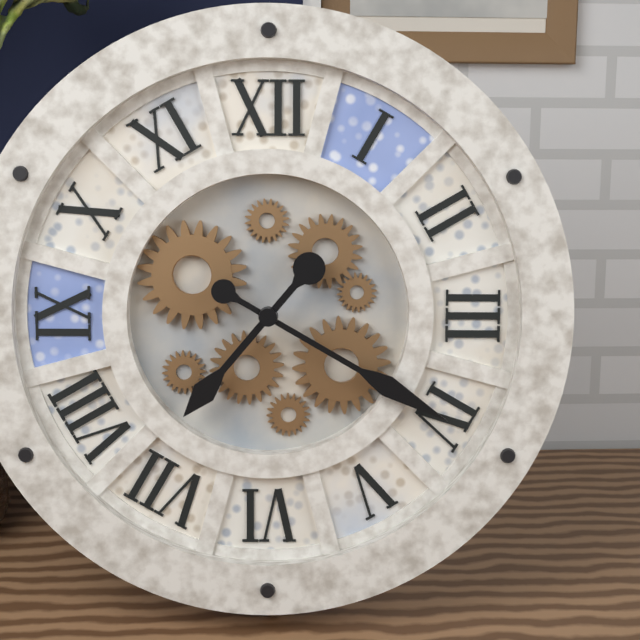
{"hour": 7, "minute": 20}
